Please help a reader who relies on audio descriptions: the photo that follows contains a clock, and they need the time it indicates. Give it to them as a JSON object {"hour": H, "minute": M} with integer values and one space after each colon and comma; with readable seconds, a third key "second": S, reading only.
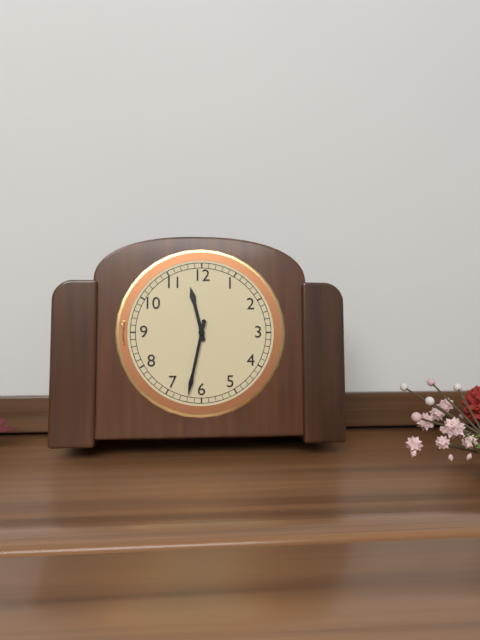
{"hour": 11, "minute": 32}
